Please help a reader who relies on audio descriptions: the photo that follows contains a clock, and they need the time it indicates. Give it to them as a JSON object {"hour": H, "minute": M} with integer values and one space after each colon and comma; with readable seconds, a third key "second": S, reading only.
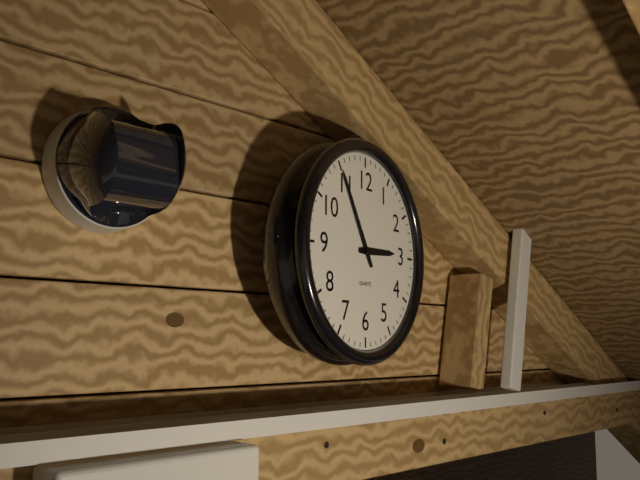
{"hour": 2, "minute": 55}
